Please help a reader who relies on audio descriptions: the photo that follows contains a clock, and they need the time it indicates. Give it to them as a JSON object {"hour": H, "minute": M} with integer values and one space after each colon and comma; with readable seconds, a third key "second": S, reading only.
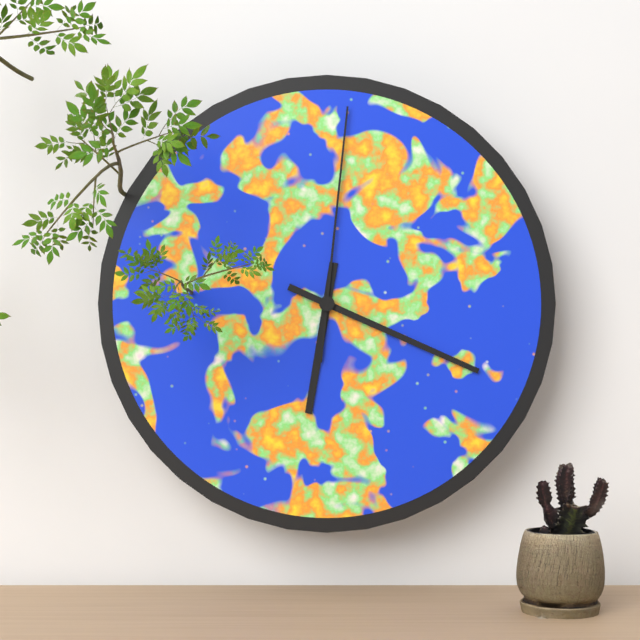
{"hour": 6, "minute": 19, "second": 1}
